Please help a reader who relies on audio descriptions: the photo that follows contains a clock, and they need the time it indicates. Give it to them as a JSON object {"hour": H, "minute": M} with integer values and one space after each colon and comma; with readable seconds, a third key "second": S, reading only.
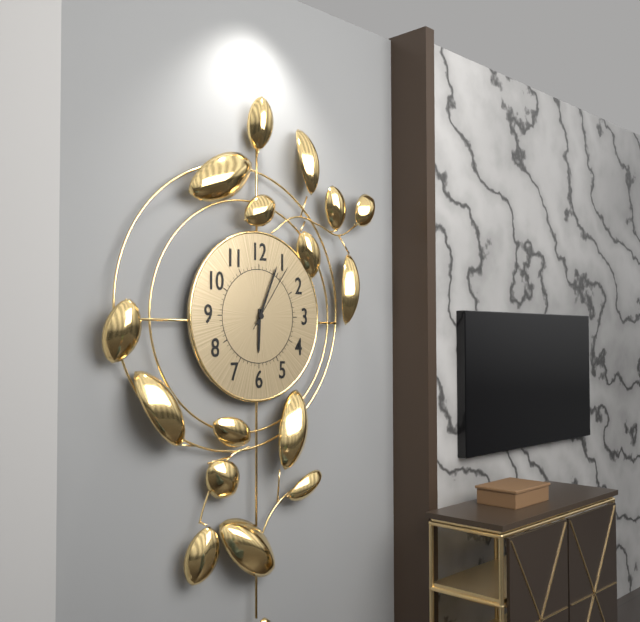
{"hour": 6, "minute": 4, "second": 6}
